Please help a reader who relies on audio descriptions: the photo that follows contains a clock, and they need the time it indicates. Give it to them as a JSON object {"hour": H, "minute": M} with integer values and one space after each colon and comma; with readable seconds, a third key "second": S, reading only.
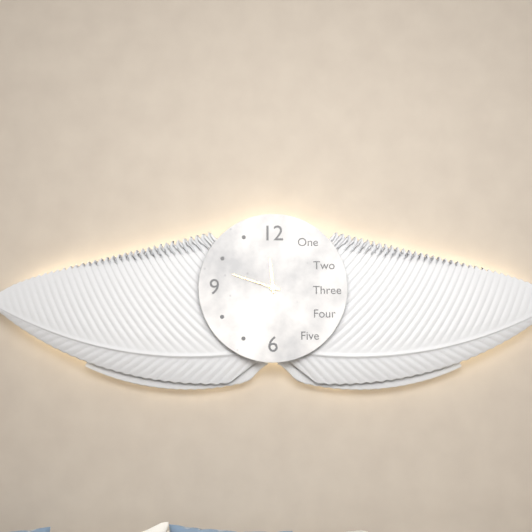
{"hour": 11, "minute": 48}
